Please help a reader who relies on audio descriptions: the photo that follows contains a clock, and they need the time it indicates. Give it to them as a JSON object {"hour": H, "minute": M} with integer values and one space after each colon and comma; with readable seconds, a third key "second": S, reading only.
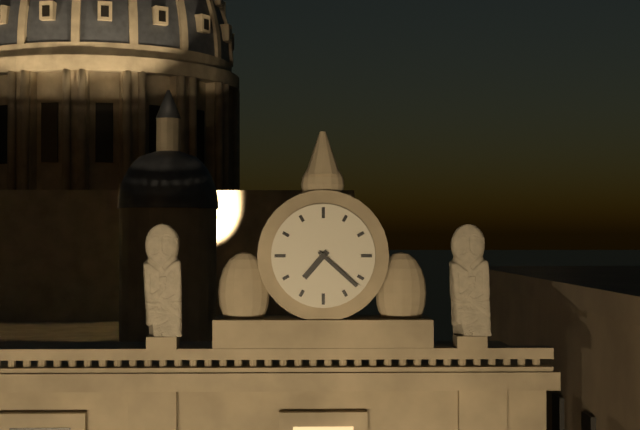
{"hour": 7, "minute": 22}
